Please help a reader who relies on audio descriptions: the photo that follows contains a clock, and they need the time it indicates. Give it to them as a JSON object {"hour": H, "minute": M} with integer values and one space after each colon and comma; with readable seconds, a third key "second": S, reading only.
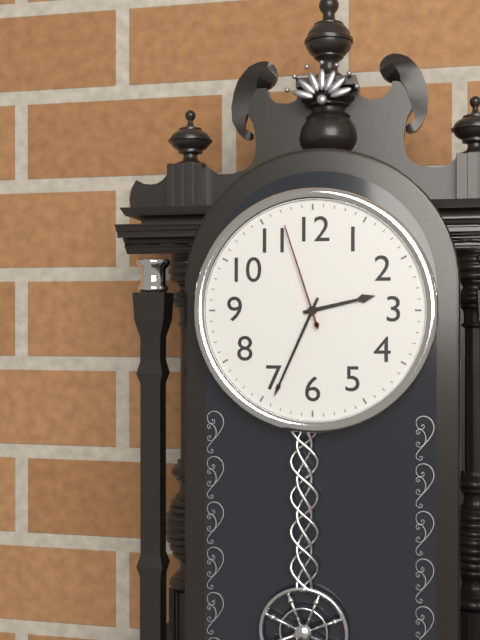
{"hour": 2, "minute": 34, "second": 57}
